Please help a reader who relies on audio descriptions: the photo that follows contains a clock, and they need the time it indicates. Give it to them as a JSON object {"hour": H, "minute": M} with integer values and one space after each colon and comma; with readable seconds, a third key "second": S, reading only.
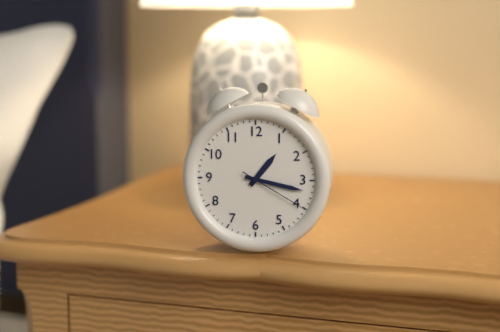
{"hour": 1, "minute": 17, "second": 20}
